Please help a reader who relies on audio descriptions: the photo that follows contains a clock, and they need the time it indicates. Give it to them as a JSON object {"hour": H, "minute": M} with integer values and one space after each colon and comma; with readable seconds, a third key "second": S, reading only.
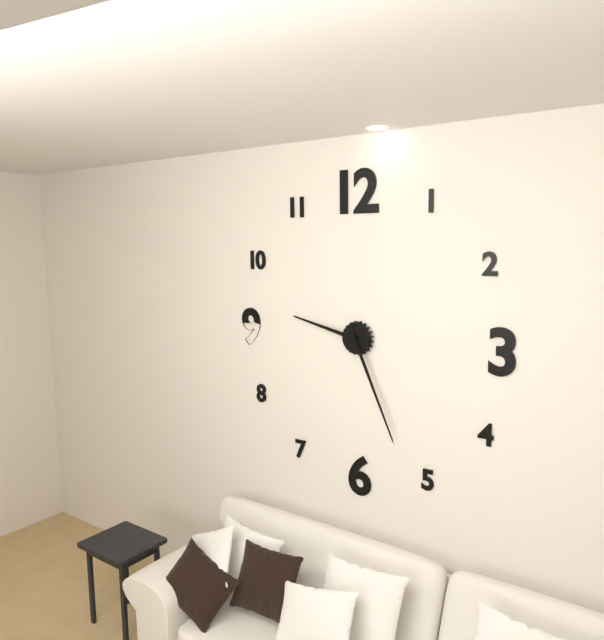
{"hour": 9, "minute": 26}
